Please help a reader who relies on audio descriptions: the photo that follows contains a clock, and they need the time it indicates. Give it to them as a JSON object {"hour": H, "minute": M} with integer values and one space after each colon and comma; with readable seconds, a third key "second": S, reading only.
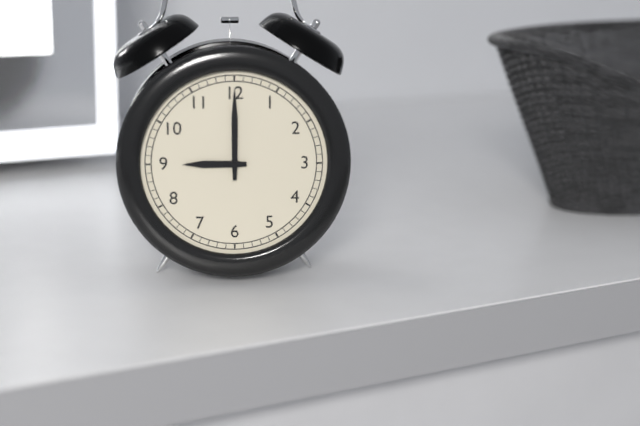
{"hour": 9, "minute": 0}
